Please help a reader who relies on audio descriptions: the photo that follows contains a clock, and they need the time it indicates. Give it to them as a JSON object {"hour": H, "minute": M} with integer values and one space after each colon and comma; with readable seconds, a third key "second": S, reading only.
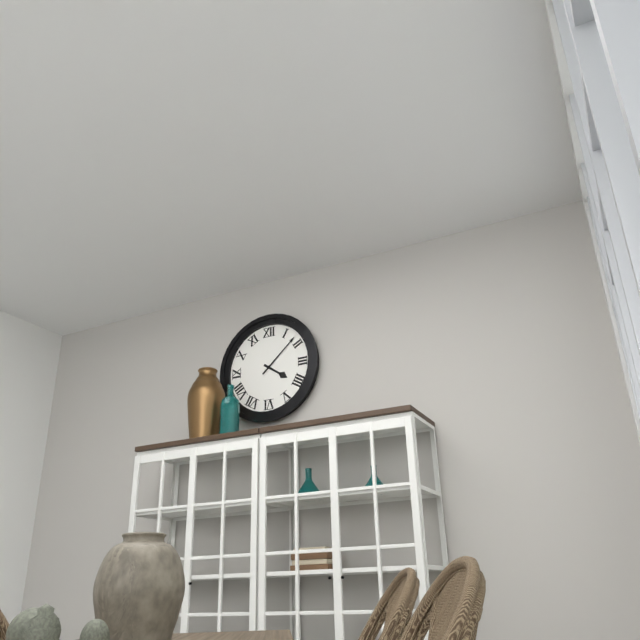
{"hour": 4, "minute": 8}
